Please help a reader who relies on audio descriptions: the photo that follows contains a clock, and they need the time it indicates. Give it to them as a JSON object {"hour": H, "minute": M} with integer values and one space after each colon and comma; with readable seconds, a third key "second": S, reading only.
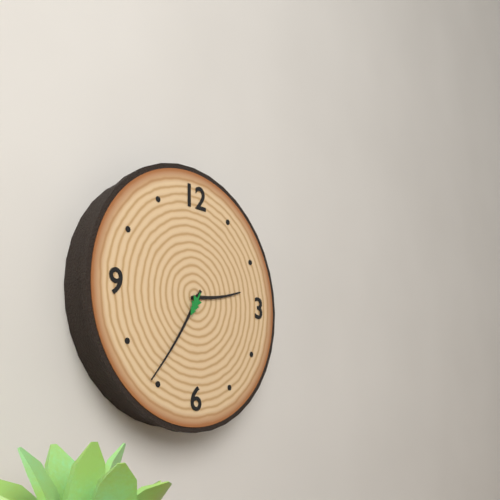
{"hour": 2, "minute": 36}
